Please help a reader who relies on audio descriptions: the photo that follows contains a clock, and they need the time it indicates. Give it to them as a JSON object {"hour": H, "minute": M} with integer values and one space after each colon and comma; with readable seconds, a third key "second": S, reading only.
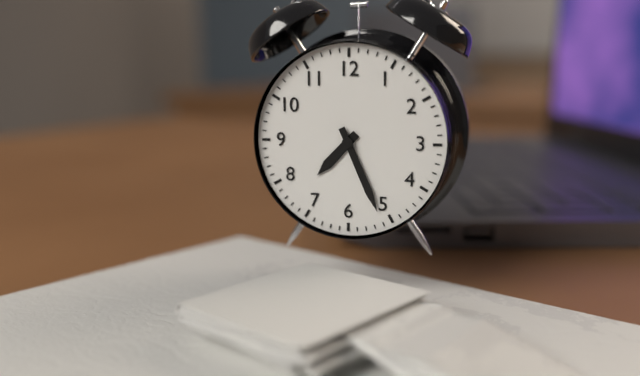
{"hour": 7, "minute": 26}
